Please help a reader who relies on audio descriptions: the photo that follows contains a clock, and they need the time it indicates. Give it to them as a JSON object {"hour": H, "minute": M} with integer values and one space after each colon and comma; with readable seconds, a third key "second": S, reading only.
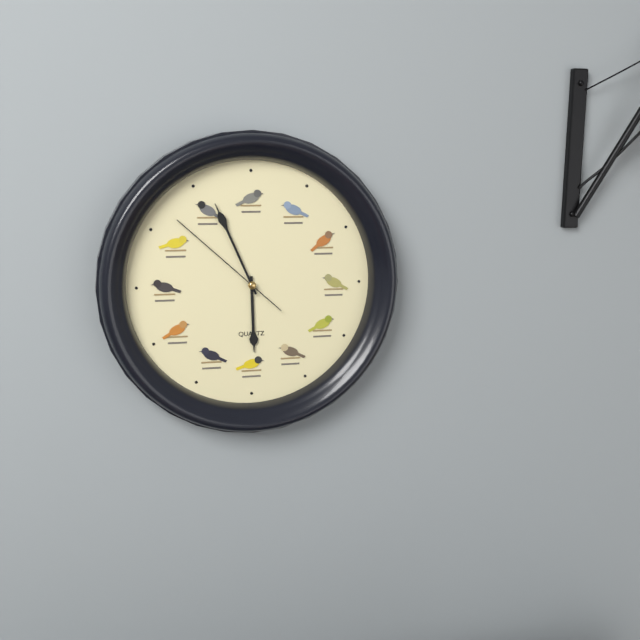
{"hour": 5, "minute": 56, "second": 52}
